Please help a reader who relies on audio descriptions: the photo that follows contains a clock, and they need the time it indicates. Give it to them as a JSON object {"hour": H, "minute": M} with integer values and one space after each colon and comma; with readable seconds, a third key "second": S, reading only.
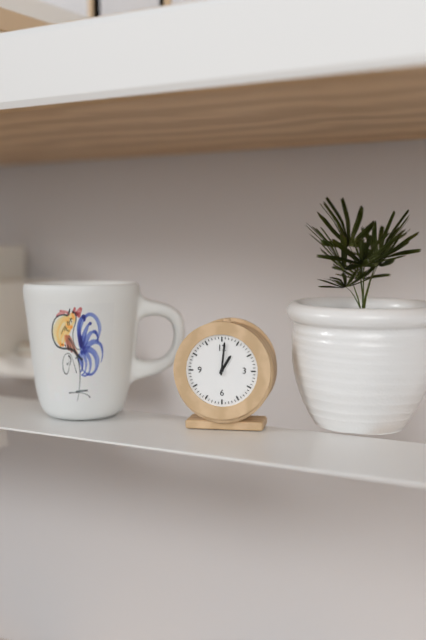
{"hour": 1, "minute": 1}
